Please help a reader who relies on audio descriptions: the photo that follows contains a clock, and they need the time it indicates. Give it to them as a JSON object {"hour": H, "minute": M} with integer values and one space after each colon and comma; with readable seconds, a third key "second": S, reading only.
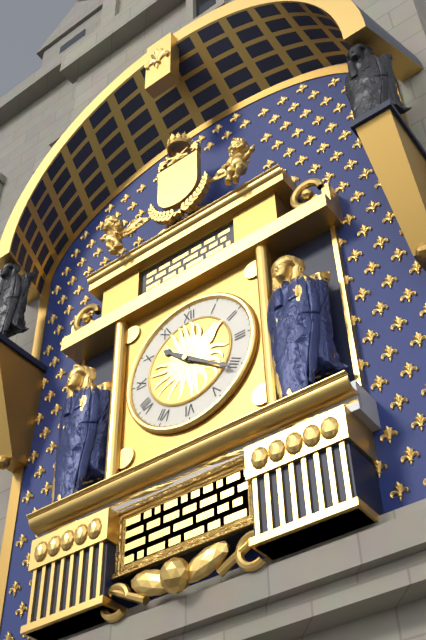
{"hour": 10, "minute": 21}
